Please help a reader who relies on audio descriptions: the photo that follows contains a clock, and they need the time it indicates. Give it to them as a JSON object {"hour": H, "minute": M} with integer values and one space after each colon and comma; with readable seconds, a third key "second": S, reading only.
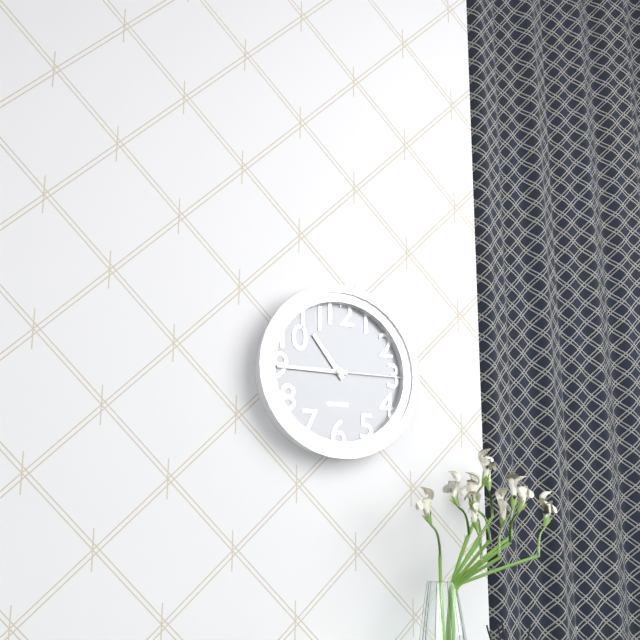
{"hour": 10, "minute": 45, "second": 15}
